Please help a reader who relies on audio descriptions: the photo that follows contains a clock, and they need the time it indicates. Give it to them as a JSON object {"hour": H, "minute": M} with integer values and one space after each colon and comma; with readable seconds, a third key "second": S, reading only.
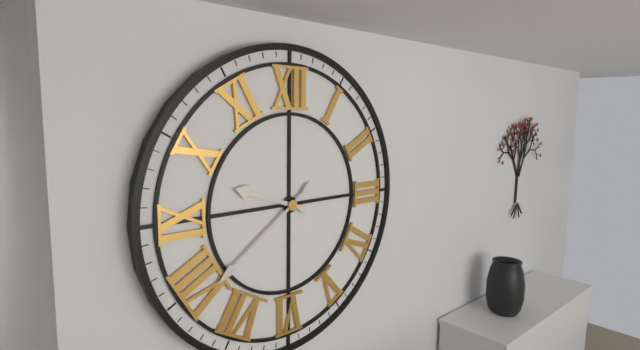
{"hour": 9, "minute": 39}
